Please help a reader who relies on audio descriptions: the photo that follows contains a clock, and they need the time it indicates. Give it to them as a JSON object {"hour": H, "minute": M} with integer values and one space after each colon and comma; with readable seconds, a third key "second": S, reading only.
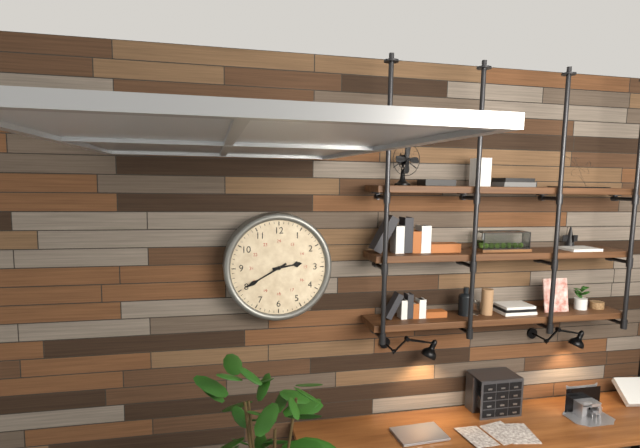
{"hour": 2, "minute": 40}
